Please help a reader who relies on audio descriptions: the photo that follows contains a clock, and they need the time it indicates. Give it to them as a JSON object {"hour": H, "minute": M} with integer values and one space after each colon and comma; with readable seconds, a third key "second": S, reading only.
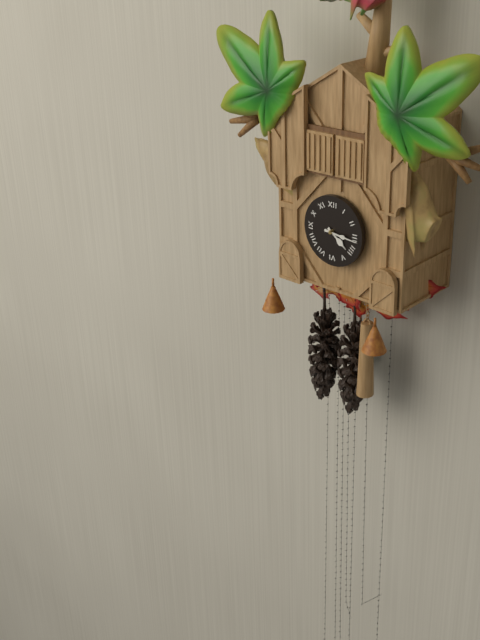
{"hour": 4, "minute": 16}
